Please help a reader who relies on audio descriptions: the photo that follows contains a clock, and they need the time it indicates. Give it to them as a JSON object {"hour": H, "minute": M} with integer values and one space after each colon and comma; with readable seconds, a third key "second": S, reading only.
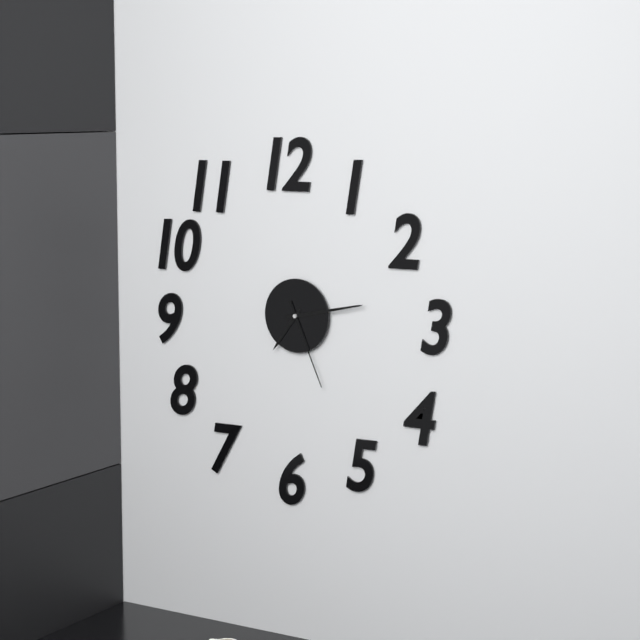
{"hour": 7, "minute": 13, "second": 26}
